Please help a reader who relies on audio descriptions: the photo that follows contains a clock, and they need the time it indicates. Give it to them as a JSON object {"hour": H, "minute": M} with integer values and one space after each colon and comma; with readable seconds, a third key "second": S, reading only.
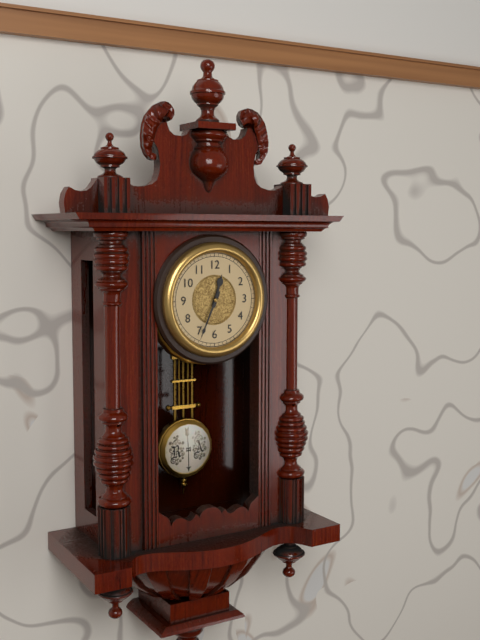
{"hour": 12, "minute": 34}
